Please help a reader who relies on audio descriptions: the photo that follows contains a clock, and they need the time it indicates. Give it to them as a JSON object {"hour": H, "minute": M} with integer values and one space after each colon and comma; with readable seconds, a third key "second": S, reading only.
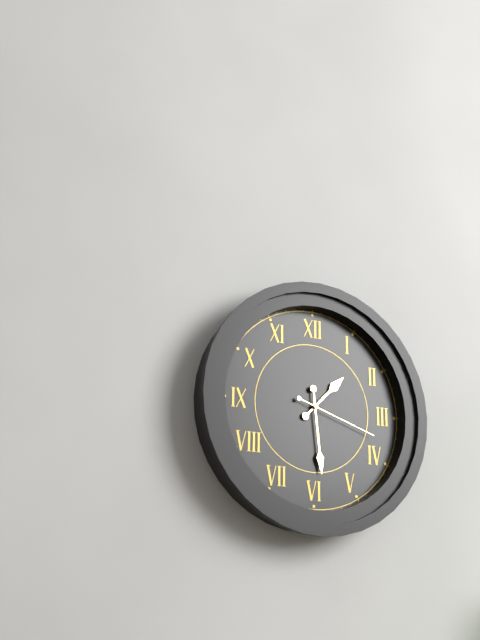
{"hour": 1, "minute": 29, "second": 18}
